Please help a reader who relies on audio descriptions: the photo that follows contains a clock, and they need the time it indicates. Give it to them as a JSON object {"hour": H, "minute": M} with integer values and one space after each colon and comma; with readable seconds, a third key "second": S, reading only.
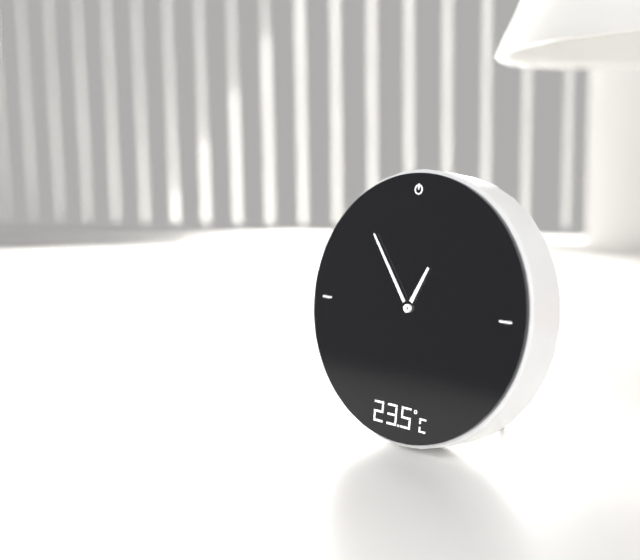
{"hour": 12, "minute": 54}
